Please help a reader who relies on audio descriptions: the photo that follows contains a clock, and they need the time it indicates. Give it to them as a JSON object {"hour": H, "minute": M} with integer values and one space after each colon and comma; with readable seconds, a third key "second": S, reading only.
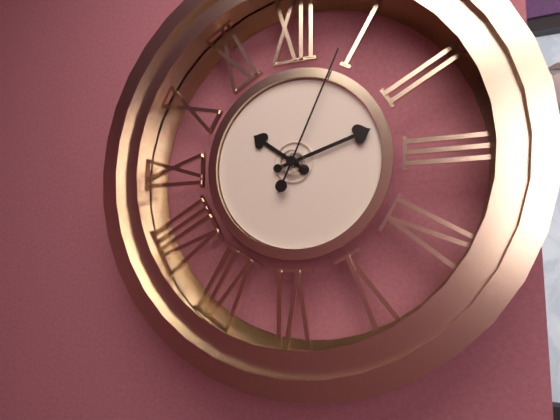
{"hour": 10, "minute": 12, "second": 4}
